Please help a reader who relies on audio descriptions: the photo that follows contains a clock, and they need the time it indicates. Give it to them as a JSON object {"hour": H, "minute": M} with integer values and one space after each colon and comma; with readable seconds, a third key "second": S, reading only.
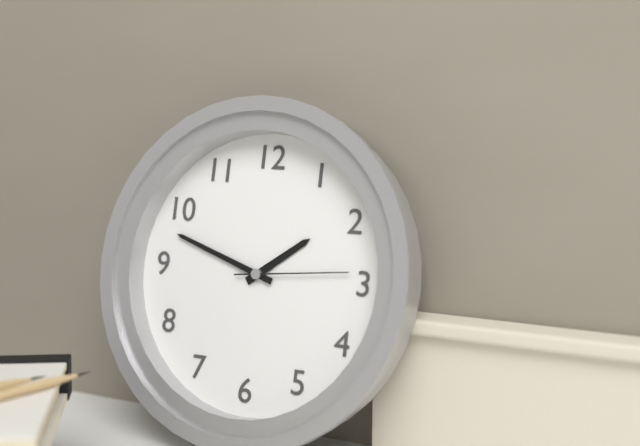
{"hour": 1, "minute": 48, "second": 14}
